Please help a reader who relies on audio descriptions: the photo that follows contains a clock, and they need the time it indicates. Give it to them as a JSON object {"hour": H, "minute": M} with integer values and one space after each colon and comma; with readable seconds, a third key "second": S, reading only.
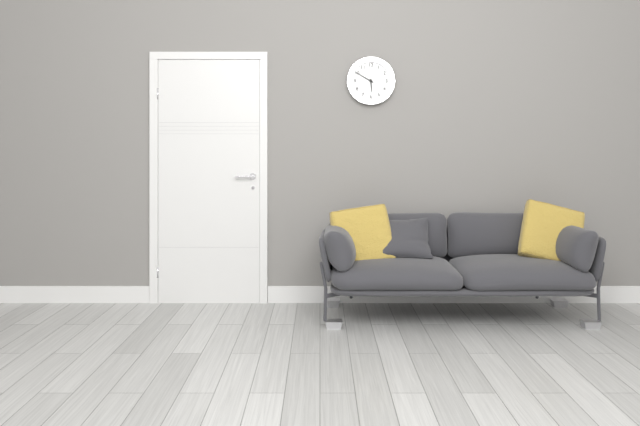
{"hour": 5, "minute": 50}
